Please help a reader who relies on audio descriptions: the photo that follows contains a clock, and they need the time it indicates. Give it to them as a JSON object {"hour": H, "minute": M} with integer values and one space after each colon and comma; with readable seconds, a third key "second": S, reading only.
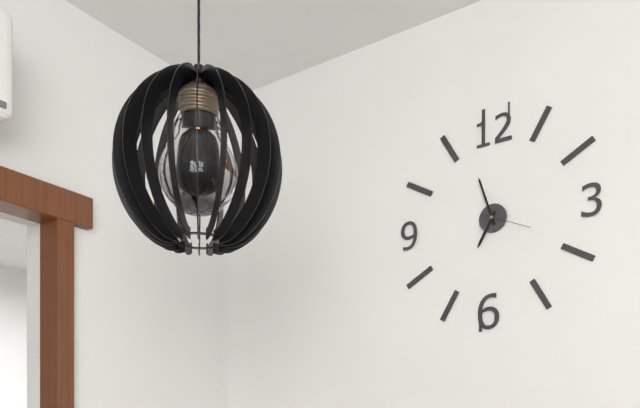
{"hour": 6, "minute": 57, "second": 19}
